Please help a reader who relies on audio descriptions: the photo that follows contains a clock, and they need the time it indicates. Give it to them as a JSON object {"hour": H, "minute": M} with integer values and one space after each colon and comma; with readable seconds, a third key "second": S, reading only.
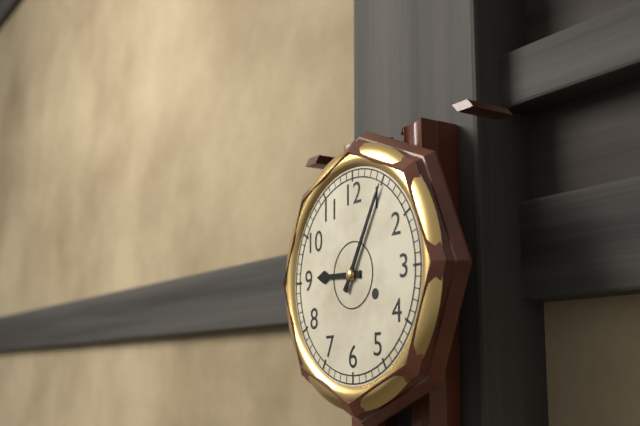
{"hour": 9, "minute": 5}
